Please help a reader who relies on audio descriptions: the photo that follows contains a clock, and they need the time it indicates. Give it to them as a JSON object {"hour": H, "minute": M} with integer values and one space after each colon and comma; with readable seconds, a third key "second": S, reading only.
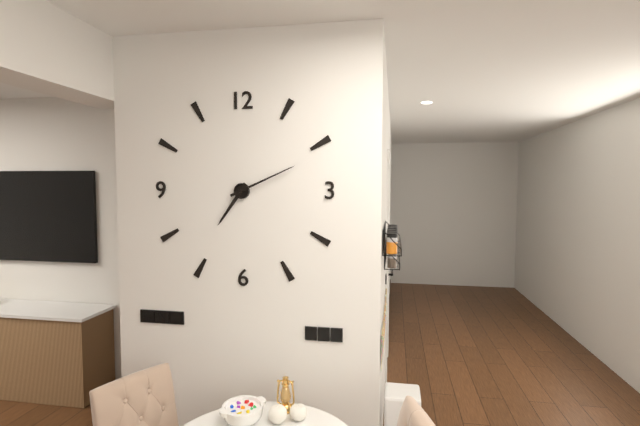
{"hour": 7, "minute": 11}
